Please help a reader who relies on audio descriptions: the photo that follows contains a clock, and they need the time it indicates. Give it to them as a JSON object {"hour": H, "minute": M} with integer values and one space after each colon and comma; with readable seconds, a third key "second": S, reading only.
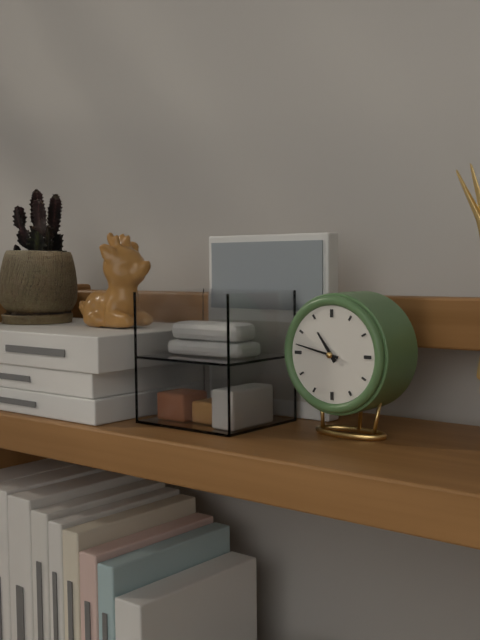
{"hour": 10, "minute": 47}
